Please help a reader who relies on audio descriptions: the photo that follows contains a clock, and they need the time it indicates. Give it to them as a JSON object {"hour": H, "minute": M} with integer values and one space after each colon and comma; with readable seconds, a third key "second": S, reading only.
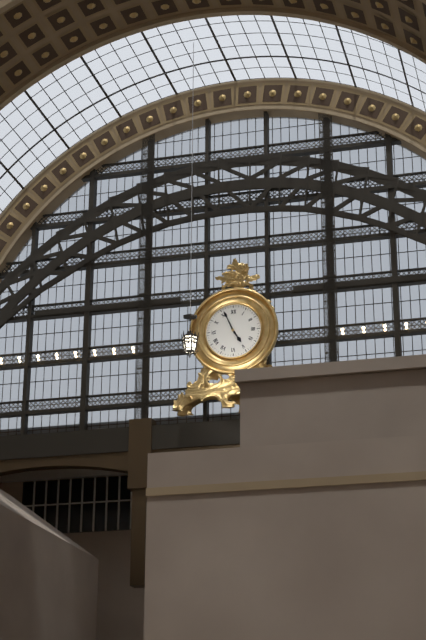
{"hour": 4, "minute": 56}
